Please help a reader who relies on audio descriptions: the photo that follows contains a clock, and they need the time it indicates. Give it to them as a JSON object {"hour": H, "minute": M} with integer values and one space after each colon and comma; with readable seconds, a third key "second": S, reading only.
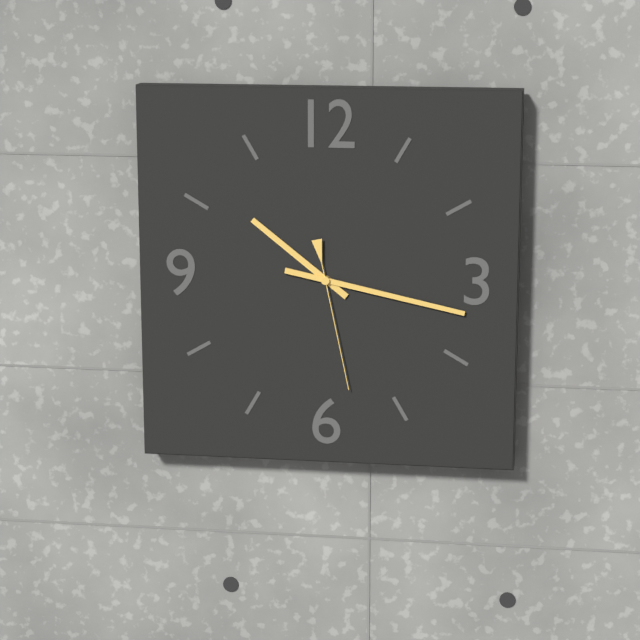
{"hour": 10, "minute": 17, "second": 28}
